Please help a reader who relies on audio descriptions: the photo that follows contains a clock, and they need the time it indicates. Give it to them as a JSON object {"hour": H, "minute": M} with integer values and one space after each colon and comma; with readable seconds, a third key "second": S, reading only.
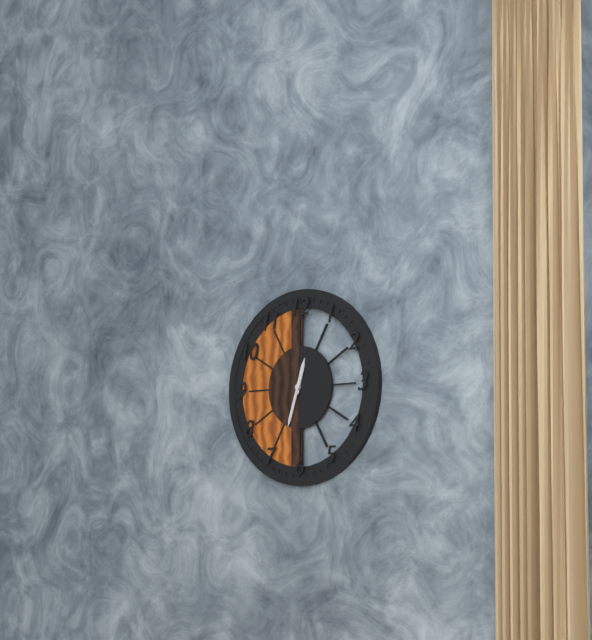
{"hour": 12, "minute": 33}
